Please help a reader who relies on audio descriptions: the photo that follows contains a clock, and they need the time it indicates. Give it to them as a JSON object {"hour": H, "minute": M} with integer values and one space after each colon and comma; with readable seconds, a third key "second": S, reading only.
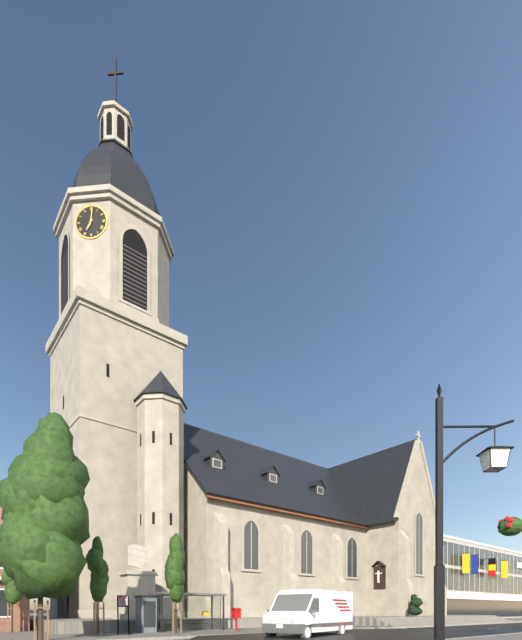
{"hour": 7, "minute": 1}
